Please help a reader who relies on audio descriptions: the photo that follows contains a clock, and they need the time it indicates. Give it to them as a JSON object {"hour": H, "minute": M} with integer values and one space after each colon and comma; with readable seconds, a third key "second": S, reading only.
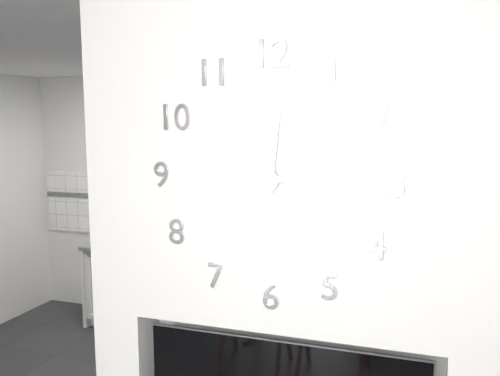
{"hour": 12, "minute": 14}
